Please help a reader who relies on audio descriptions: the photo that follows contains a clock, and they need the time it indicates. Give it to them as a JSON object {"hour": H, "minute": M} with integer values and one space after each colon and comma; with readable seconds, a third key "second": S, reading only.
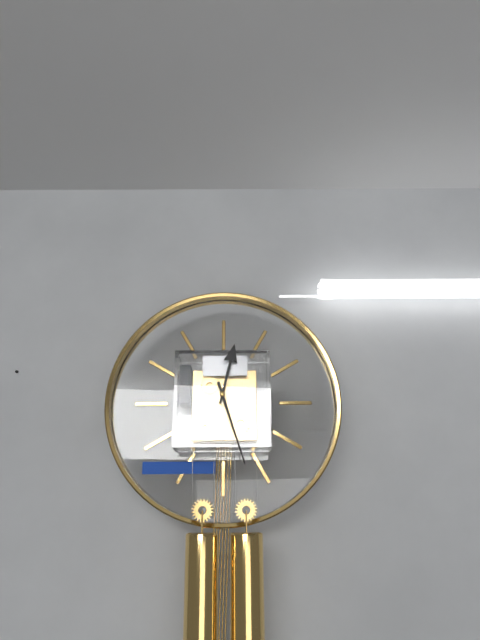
{"hour": 12, "minute": 27}
